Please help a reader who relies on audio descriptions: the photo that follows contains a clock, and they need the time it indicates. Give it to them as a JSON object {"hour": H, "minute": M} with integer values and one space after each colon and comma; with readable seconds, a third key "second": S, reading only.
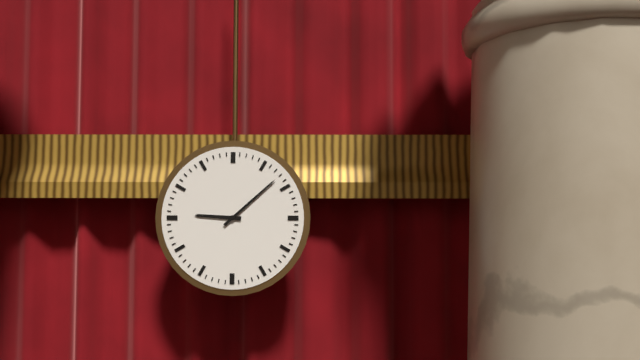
{"hour": 9, "minute": 8}
